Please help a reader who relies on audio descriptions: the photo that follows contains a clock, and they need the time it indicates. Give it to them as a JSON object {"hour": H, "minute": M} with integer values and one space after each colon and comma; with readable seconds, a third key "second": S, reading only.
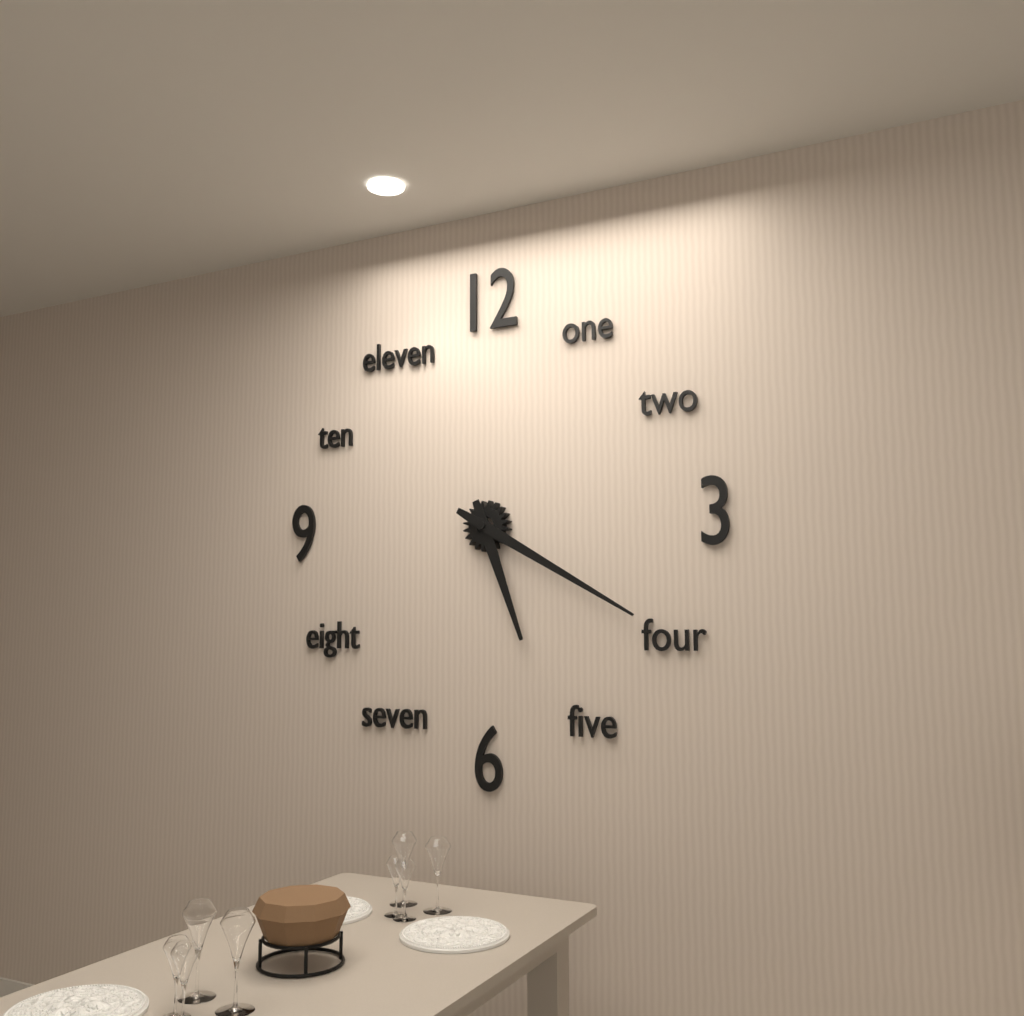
{"hour": 5, "minute": 20}
